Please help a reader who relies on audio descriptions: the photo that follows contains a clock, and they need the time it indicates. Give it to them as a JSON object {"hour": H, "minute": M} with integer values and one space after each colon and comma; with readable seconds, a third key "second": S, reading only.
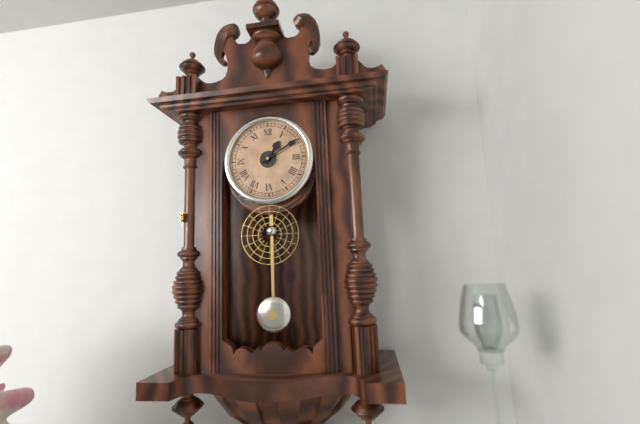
{"hour": 1, "minute": 10}
